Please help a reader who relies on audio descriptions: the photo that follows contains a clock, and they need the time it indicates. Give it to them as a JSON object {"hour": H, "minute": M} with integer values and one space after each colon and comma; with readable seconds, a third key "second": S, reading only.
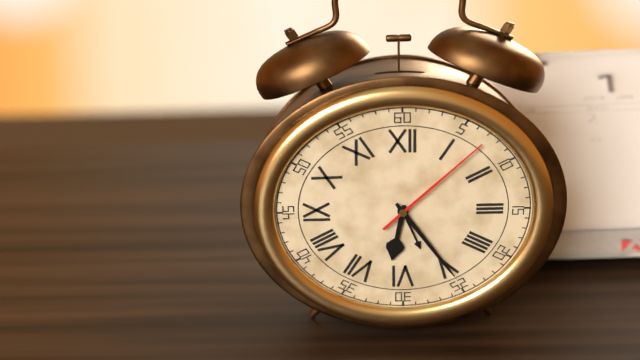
{"hour": 6, "minute": 24, "second": 8}
